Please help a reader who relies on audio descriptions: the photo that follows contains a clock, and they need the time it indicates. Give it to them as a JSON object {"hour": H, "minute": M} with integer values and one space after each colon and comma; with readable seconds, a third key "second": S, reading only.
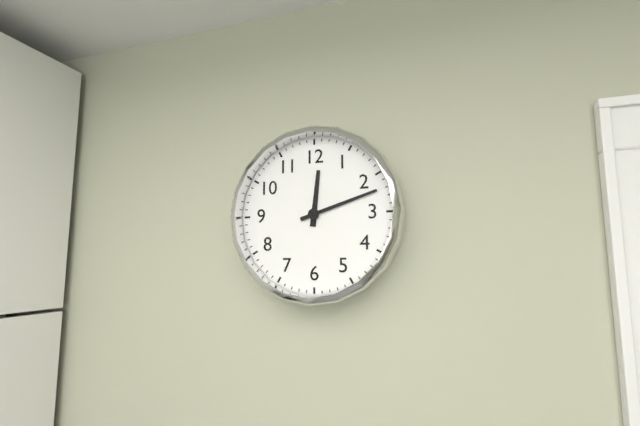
{"hour": 12, "minute": 12}
